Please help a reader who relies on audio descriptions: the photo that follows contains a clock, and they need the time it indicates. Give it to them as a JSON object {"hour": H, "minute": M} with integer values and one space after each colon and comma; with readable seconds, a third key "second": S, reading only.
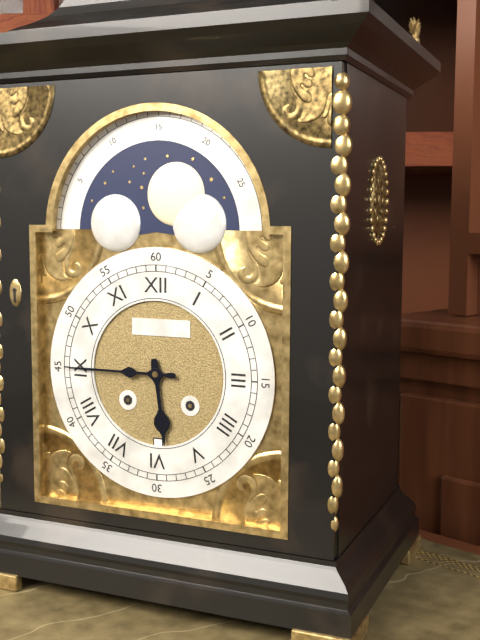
{"hour": 5, "minute": 45}
